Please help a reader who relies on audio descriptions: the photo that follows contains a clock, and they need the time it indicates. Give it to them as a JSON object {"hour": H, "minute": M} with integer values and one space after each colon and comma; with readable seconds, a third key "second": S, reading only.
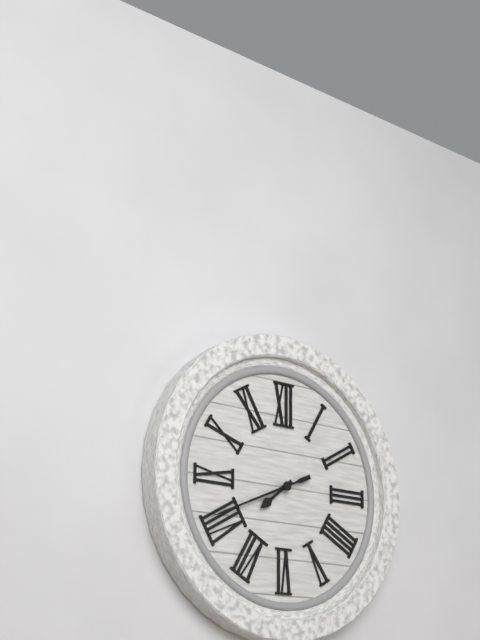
{"hour": 7, "minute": 41}
